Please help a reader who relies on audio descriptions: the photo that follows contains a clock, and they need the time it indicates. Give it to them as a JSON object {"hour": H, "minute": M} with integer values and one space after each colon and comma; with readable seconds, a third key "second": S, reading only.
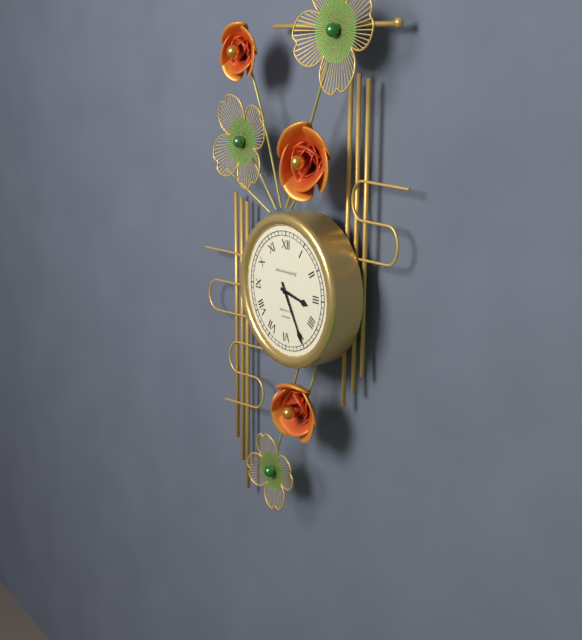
{"hour": 3, "minute": 25}
